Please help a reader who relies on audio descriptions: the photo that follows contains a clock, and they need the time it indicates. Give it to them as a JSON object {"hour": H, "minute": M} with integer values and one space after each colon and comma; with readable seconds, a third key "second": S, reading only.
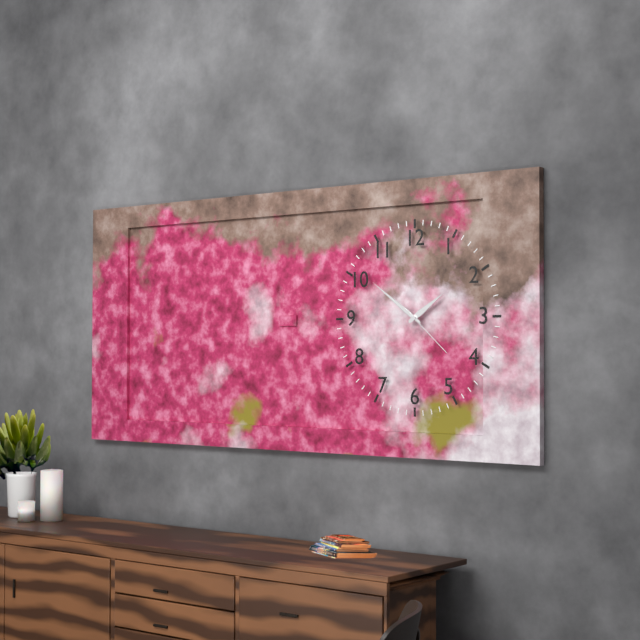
{"hour": 1, "minute": 51, "second": 22}
